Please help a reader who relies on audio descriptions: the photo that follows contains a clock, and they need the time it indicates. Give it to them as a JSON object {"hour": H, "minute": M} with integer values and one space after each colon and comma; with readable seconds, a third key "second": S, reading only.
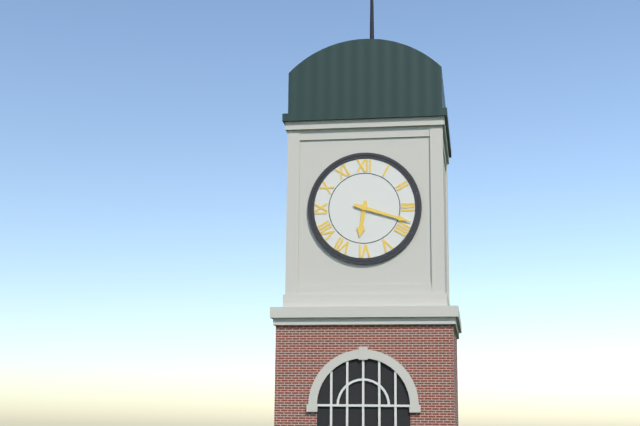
{"hour": 6, "minute": 18}
